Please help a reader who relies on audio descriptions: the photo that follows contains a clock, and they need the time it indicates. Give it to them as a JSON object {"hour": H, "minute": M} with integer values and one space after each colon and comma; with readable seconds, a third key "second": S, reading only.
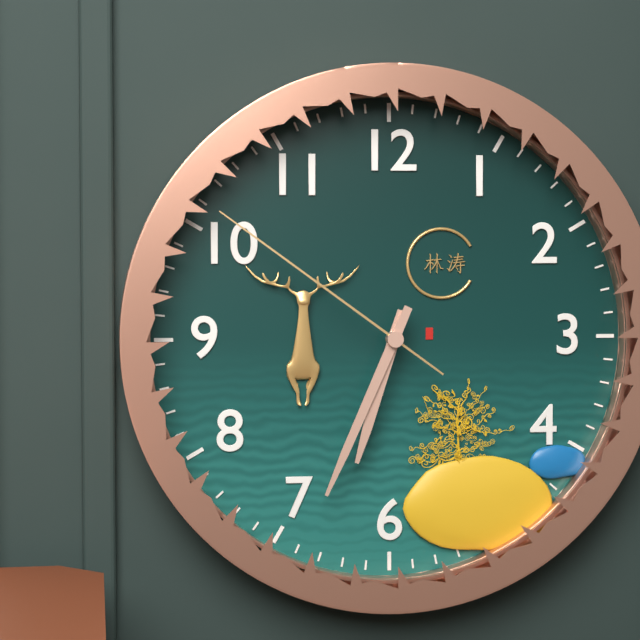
{"hour": 6, "minute": 34, "second": 51}
